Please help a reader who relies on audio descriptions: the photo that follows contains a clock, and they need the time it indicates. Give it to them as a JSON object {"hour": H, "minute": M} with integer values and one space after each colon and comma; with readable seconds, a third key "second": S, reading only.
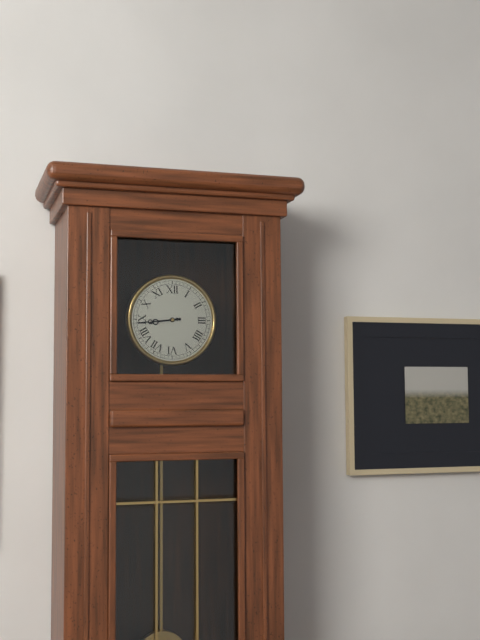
{"hour": 8, "minute": 44}
